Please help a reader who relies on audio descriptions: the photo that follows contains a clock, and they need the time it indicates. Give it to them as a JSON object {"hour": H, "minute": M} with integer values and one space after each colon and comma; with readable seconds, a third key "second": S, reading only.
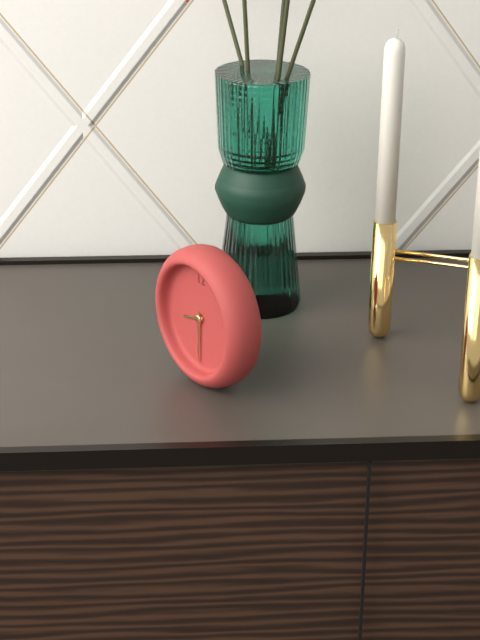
{"hour": 8, "minute": 30}
